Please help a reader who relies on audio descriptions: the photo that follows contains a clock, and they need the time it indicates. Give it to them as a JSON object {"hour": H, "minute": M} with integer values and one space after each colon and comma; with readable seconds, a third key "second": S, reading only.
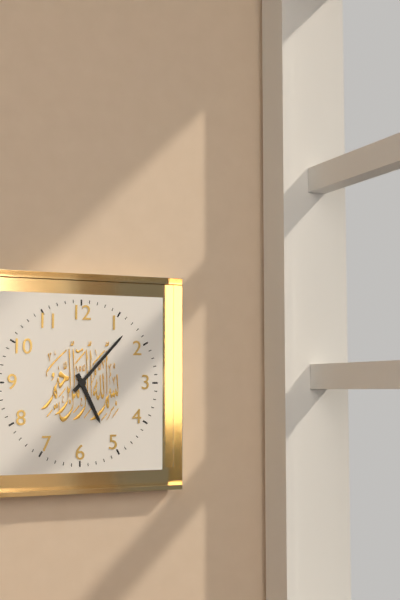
{"hour": 5, "minute": 7}
